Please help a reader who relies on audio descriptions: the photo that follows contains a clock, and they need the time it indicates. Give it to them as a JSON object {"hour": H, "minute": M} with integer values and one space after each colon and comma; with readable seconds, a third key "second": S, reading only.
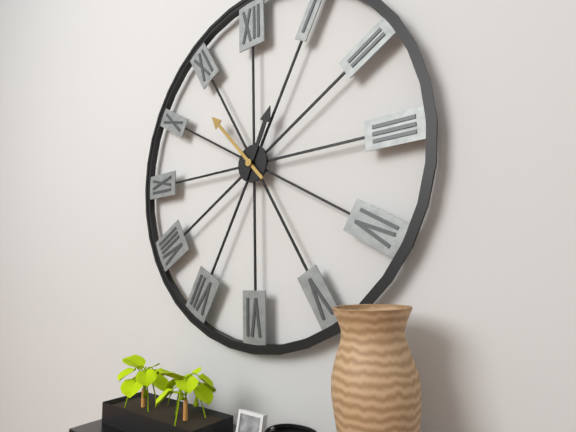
{"hour": 12, "minute": 53}
